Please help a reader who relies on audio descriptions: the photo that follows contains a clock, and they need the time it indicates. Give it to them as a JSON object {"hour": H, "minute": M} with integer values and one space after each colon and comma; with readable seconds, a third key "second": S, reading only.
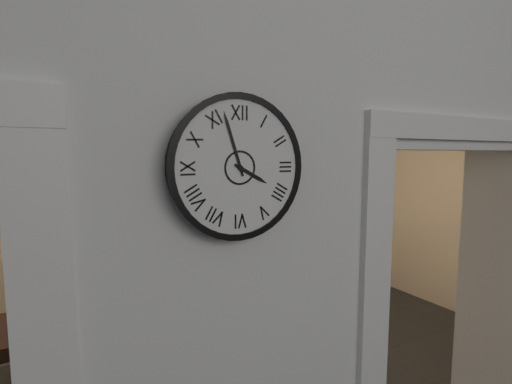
{"hour": 3, "minute": 57}
